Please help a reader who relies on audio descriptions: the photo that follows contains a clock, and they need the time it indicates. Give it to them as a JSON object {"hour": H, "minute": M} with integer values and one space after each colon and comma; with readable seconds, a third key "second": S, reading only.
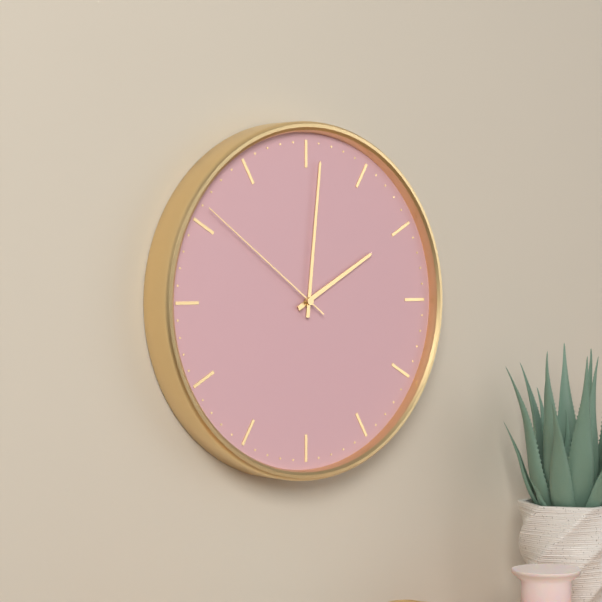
{"hour": 2, "minute": 1, "second": 51}
